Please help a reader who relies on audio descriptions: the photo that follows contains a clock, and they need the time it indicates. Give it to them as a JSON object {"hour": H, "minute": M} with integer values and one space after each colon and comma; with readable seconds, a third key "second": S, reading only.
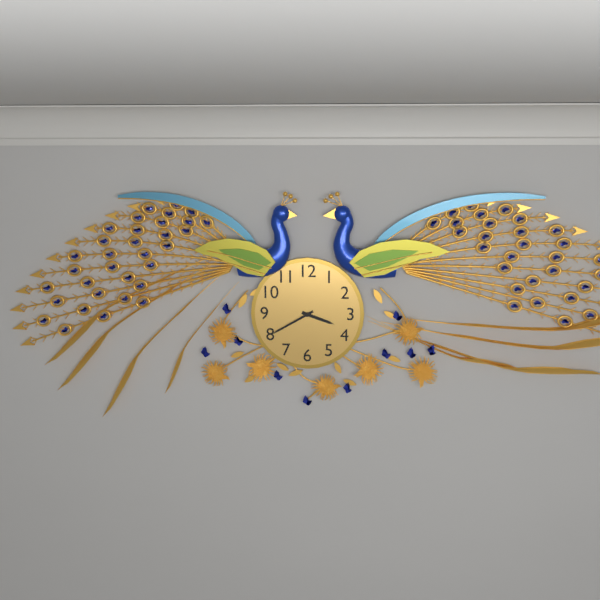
{"hour": 3, "minute": 40}
